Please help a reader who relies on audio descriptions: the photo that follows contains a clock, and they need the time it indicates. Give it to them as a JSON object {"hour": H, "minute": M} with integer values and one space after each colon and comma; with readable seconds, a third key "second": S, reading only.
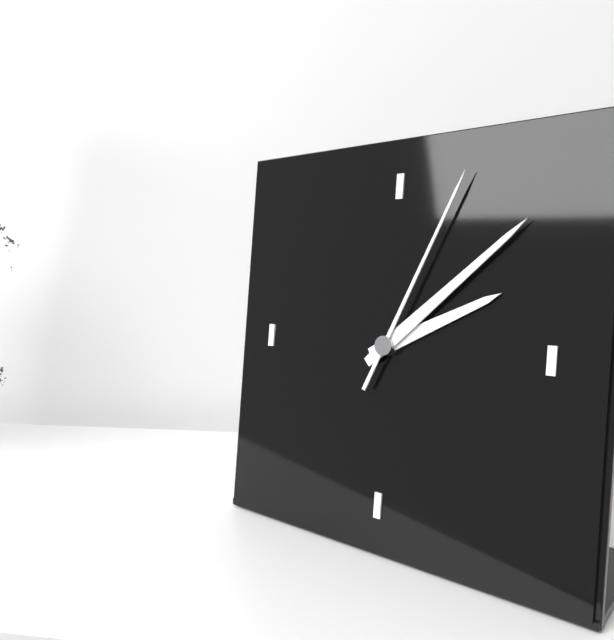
{"hour": 2, "minute": 8, "second": 4}
